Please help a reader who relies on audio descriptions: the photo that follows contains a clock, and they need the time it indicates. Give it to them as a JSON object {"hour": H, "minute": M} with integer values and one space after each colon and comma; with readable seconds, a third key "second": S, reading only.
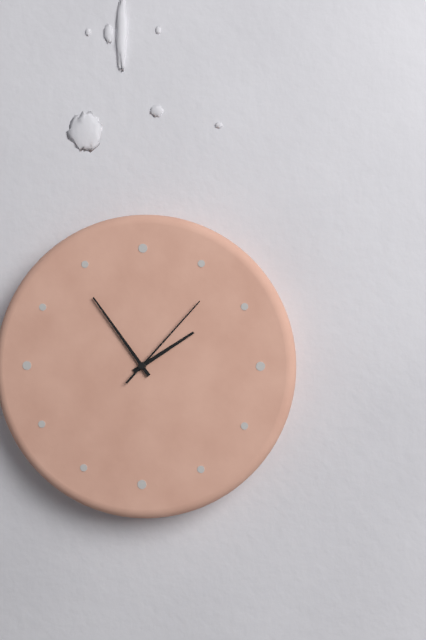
{"hour": 1, "minute": 54, "second": 7}
